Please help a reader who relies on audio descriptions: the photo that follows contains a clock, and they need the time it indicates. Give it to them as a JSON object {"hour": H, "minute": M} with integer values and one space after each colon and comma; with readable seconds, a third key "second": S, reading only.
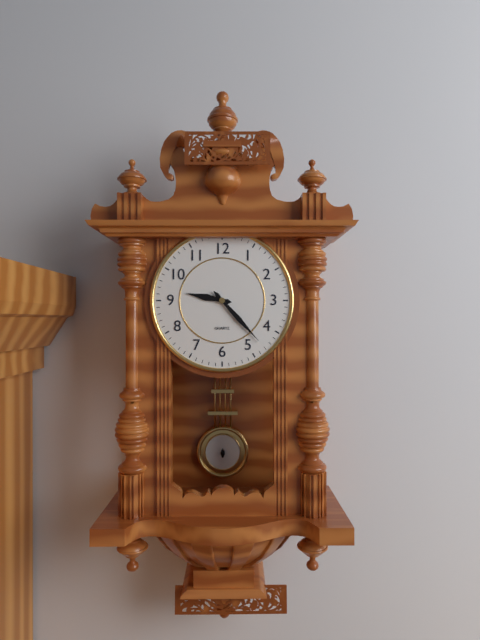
{"hour": 9, "minute": 23}
